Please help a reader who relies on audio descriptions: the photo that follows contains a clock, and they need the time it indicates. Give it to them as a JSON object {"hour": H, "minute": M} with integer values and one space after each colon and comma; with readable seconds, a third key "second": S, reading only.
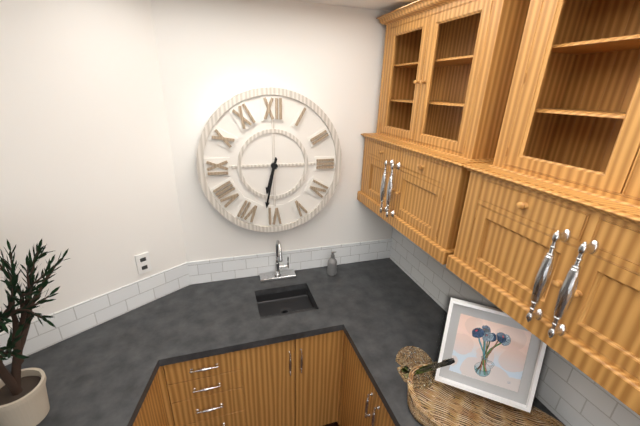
{"hour": 6, "minute": 32}
